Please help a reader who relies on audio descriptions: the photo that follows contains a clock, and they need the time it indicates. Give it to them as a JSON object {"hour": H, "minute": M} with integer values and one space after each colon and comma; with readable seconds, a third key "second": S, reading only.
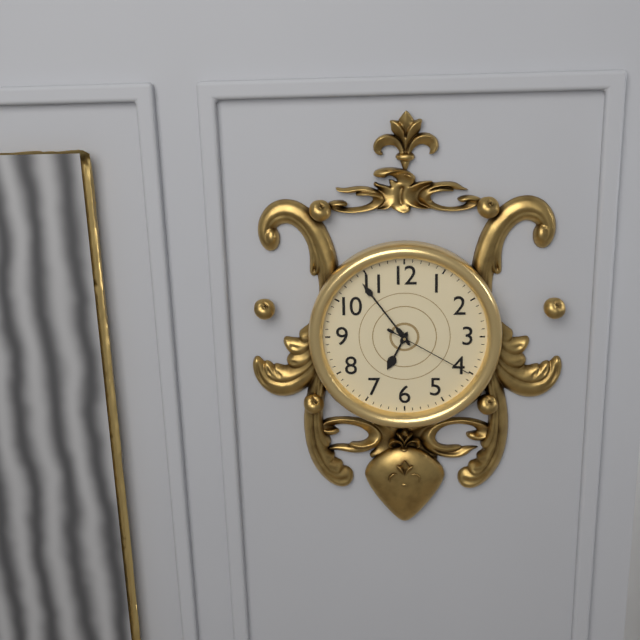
{"hour": 6, "minute": 54, "second": 20}
